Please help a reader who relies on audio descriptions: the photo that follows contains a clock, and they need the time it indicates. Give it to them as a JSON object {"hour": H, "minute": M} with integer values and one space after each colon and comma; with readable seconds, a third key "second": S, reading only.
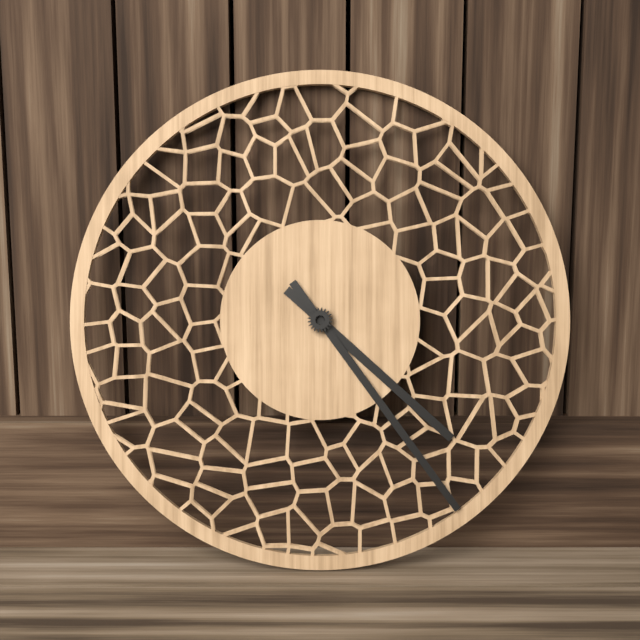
{"hour": 4, "minute": 24}
